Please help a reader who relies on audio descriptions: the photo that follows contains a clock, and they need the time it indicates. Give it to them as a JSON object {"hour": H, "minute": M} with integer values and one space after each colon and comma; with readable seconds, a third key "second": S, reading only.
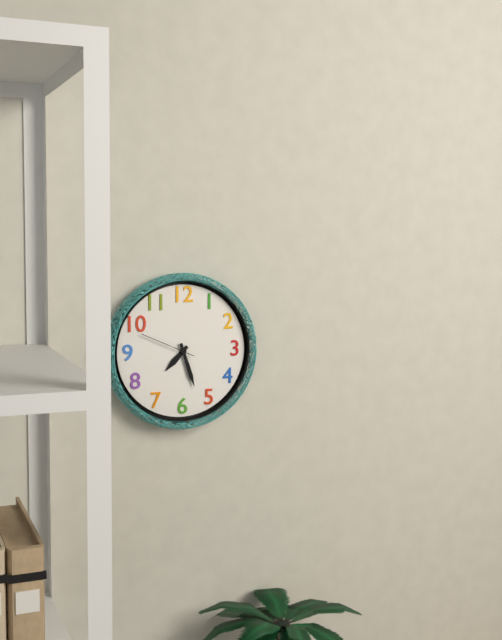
{"hour": 7, "minute": 27, "second": 49}
